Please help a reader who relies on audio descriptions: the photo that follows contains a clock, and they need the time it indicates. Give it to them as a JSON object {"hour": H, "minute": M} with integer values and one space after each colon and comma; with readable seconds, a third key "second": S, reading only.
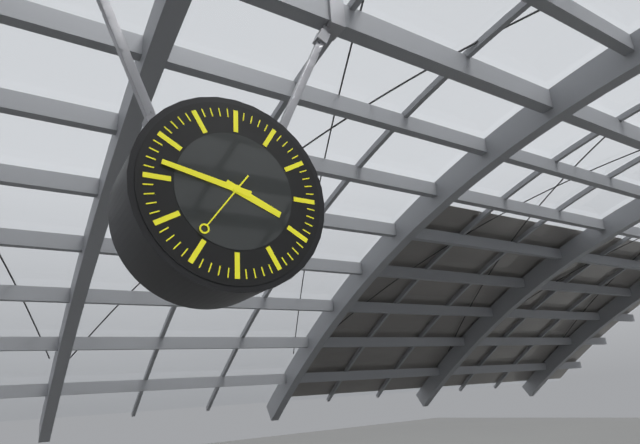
{"hour": 3, "minute": 47, "second": 36}
